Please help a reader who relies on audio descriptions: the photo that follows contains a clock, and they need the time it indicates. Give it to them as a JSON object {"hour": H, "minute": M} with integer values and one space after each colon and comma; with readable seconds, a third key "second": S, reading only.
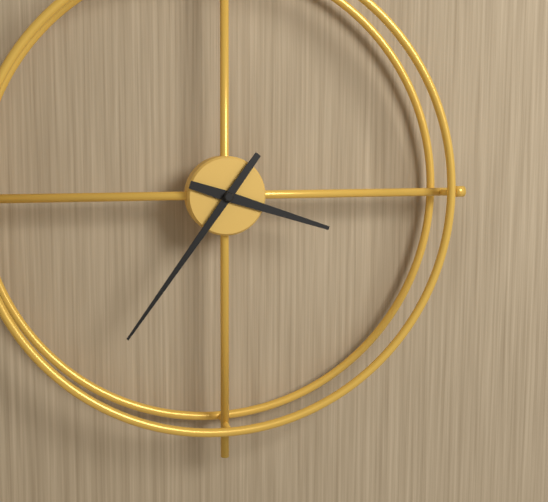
{"hour": 3, "minute": 36}
